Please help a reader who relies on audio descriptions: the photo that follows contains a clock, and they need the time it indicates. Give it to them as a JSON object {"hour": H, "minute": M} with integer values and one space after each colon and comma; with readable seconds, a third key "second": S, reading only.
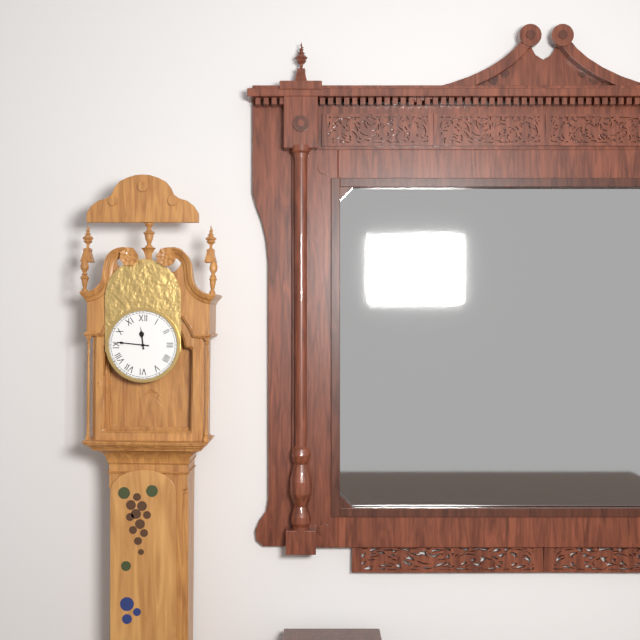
{"hour": 11, "minute": 46}
